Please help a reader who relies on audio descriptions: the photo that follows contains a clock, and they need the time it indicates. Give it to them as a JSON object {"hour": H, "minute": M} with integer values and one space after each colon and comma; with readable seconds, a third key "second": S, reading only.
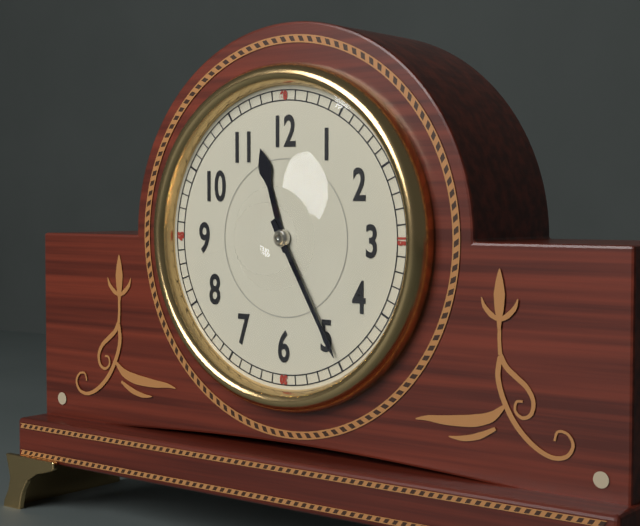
{"hour": 11, "minute": 25}
